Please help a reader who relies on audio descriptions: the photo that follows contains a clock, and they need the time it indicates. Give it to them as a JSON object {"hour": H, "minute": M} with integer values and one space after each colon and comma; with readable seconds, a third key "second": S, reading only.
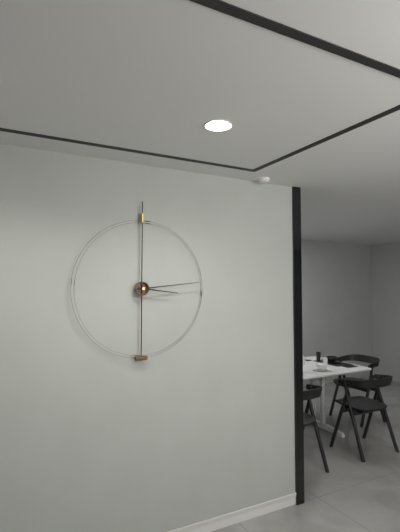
{"hour": 3, "minute": 14}
